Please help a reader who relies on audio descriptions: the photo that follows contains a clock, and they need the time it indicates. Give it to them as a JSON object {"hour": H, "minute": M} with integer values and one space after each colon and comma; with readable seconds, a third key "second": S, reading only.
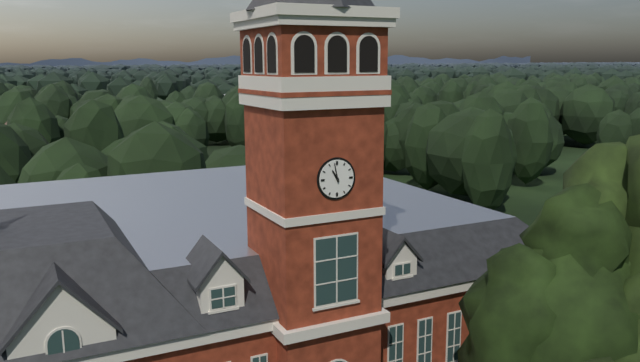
{"hour": 10, "minute": 58}
